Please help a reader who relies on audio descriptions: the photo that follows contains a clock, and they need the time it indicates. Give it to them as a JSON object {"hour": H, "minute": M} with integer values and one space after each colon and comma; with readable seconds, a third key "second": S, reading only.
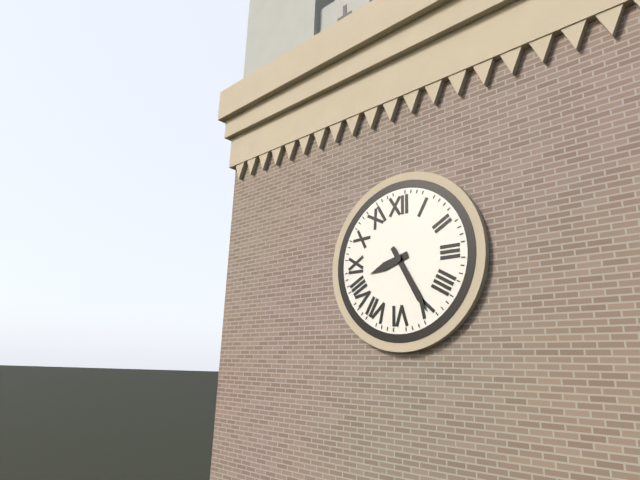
{"hour": 8, "minute": 25}
